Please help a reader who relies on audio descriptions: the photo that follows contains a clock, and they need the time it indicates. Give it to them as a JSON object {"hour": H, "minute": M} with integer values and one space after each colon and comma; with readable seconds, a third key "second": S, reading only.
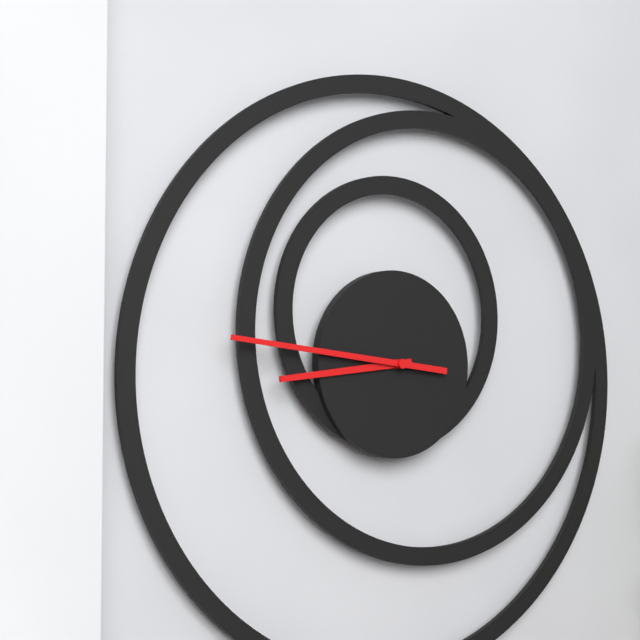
{"hour": 8, "minute": 46}
